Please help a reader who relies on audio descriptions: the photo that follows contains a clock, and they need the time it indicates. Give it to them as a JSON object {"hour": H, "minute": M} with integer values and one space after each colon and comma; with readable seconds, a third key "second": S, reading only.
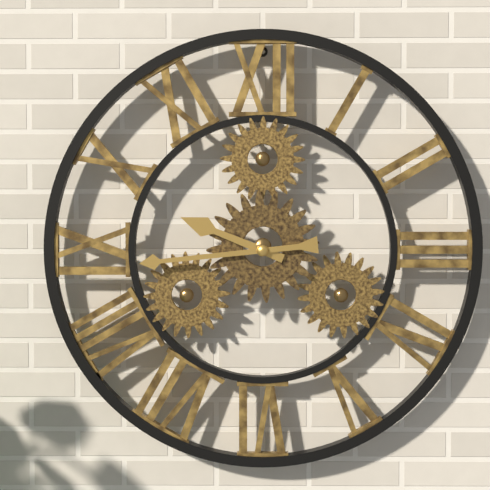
{"hour": 9, "minute": 44}
